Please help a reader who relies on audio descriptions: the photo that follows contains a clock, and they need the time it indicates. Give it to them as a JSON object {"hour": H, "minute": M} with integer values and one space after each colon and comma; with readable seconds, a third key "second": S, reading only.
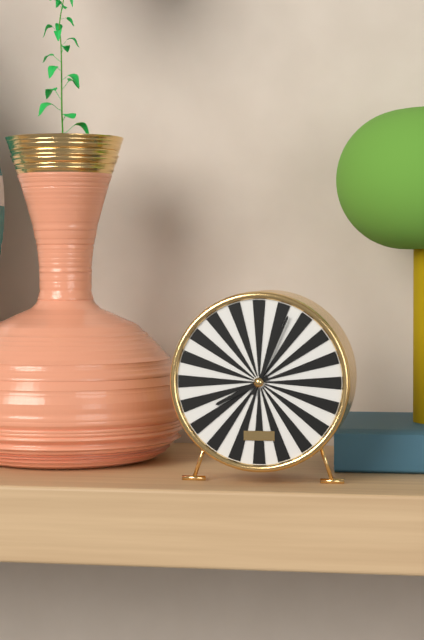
{"hour": 8, "minute": 4}
